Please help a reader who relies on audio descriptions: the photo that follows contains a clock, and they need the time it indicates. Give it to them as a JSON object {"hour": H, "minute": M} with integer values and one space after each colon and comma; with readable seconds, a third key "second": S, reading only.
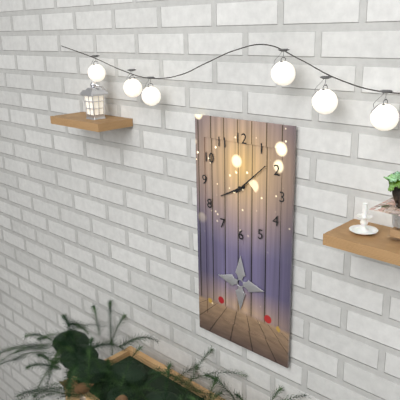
{"hour": 8, "minute": 8}
